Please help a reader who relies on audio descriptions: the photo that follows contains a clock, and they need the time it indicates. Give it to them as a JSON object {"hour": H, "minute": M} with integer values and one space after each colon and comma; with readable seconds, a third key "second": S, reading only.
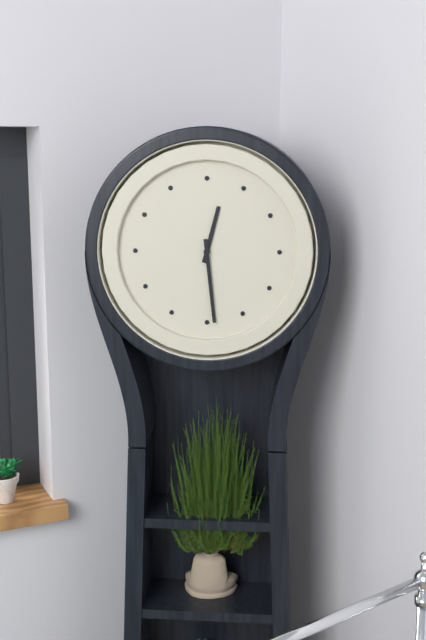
{"hour": 12, "minute": 29}
